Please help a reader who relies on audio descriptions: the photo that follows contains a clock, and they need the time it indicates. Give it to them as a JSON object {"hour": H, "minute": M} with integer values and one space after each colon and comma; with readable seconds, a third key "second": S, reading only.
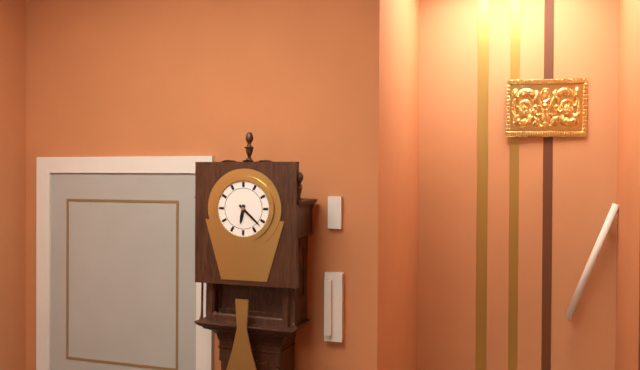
{"hour": 6, "minute": 22}
